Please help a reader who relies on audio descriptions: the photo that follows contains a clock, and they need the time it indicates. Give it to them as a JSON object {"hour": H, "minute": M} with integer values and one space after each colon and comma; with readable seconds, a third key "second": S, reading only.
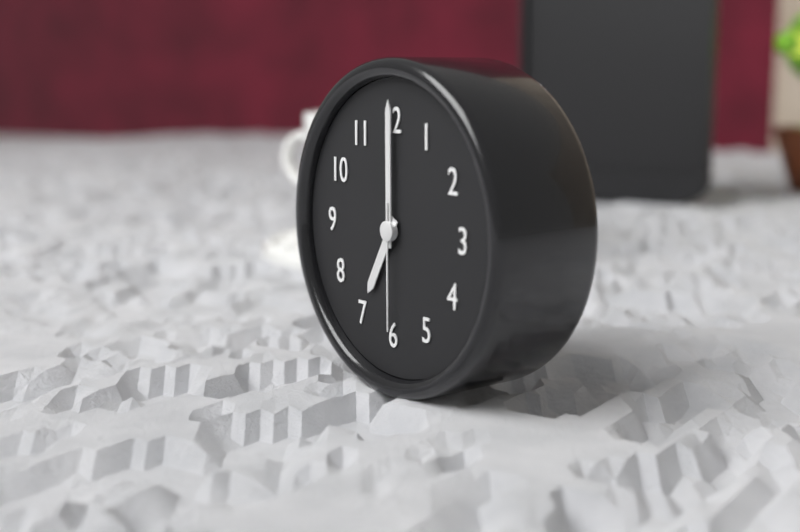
{"hour": 7, "minute": 0, "second": 30}
